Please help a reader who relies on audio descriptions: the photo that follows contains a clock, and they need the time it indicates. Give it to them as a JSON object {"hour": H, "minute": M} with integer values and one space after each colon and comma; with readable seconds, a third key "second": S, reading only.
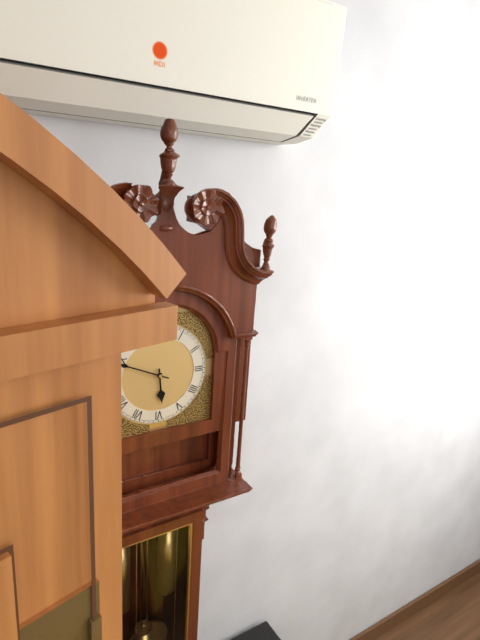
{"hour": 5, "minute": 49}
